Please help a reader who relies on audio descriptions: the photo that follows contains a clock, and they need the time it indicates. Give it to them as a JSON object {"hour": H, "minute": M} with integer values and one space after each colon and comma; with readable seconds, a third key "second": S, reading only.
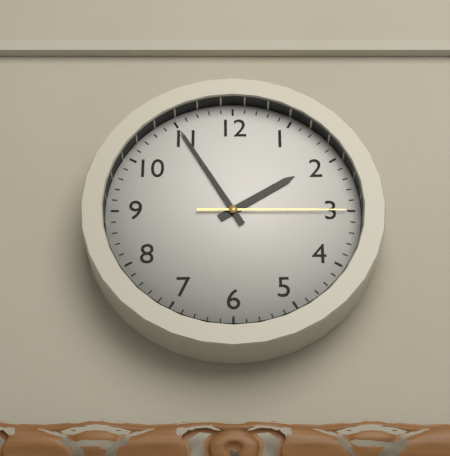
{"hour": 1, "minute": 55, "second": 15}
